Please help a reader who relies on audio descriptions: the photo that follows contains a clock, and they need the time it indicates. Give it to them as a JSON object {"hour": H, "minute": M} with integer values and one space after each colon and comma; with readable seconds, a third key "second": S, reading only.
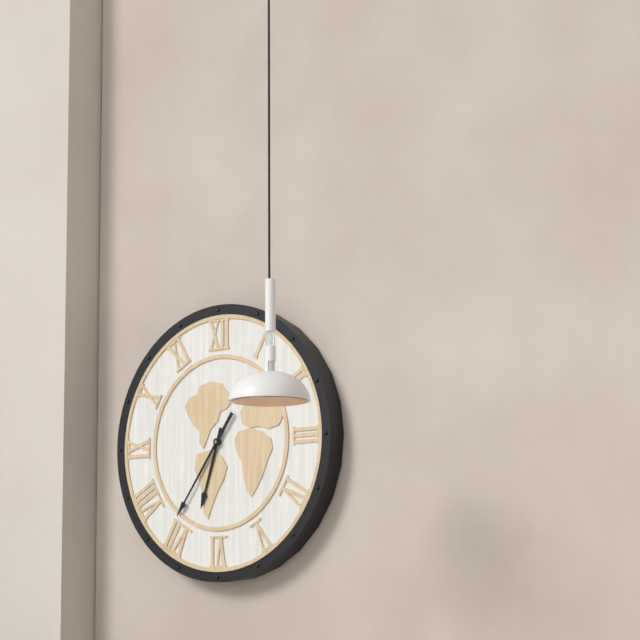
{"hour": 6, "minute": 36}
